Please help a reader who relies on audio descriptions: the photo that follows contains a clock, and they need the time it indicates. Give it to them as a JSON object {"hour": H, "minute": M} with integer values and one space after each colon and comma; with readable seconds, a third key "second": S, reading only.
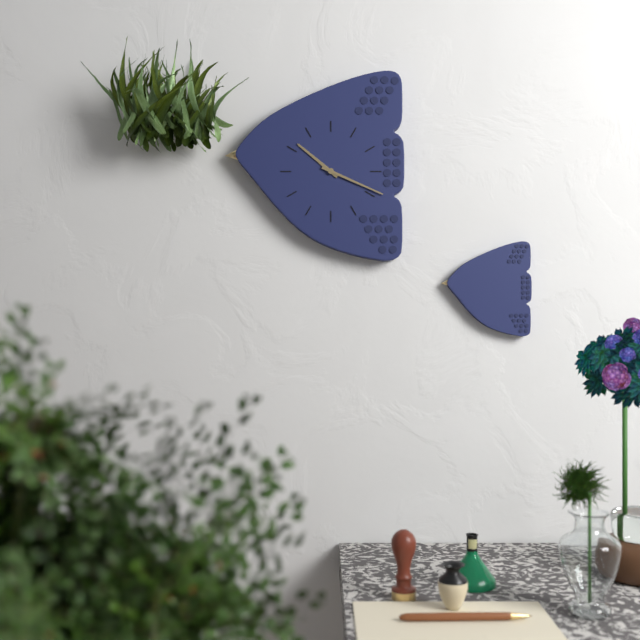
{"hour": 10, "minute": 19}
